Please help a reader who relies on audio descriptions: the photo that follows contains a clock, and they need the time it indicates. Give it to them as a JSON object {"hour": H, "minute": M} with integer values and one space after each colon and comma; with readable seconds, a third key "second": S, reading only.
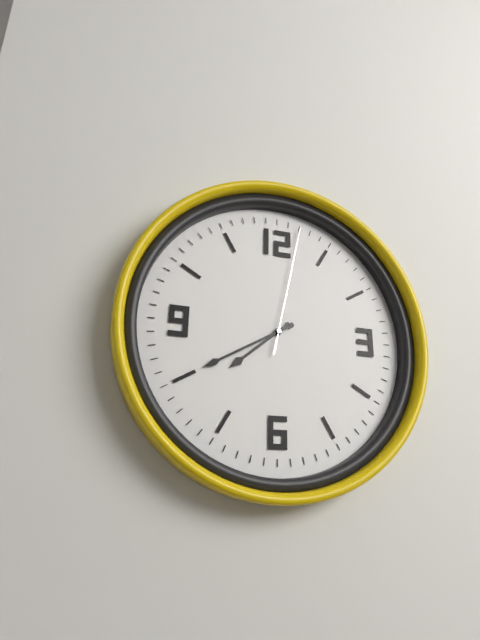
{"hour": 7, "minute": 40, "second": 2}
